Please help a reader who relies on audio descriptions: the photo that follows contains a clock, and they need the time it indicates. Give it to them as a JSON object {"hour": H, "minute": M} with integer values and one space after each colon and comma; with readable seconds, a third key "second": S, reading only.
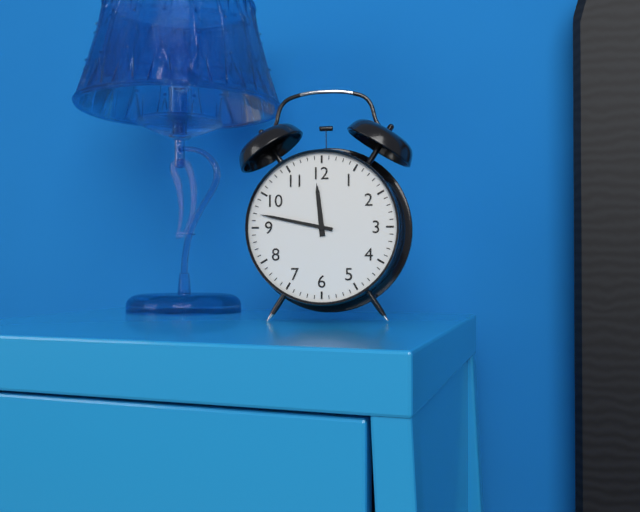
{"hour": 11, "minute": 47}
